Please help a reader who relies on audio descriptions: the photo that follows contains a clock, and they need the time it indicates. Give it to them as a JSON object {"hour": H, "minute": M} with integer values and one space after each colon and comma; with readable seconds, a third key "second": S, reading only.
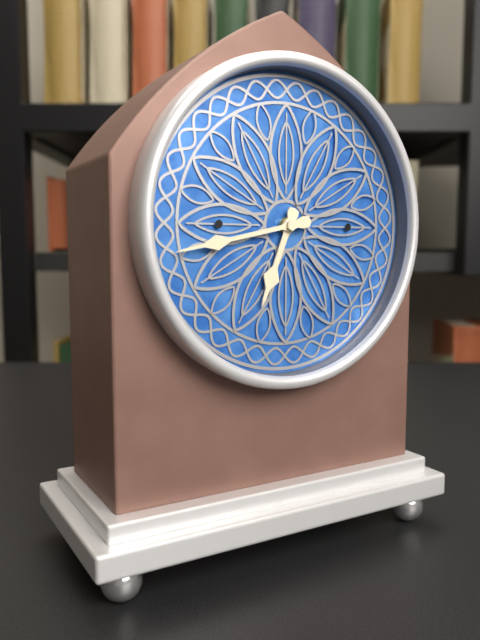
{"hour": 6, "minute": 43}
